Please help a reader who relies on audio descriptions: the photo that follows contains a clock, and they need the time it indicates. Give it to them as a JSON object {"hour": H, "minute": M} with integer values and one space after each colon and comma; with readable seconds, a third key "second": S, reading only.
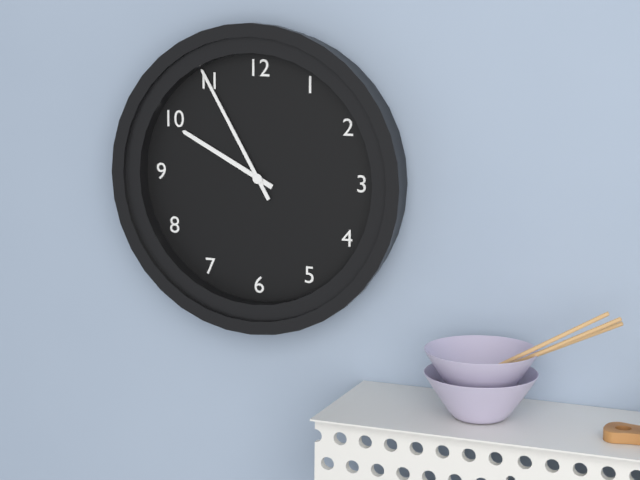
{"hour": 9, "minute": 55}
